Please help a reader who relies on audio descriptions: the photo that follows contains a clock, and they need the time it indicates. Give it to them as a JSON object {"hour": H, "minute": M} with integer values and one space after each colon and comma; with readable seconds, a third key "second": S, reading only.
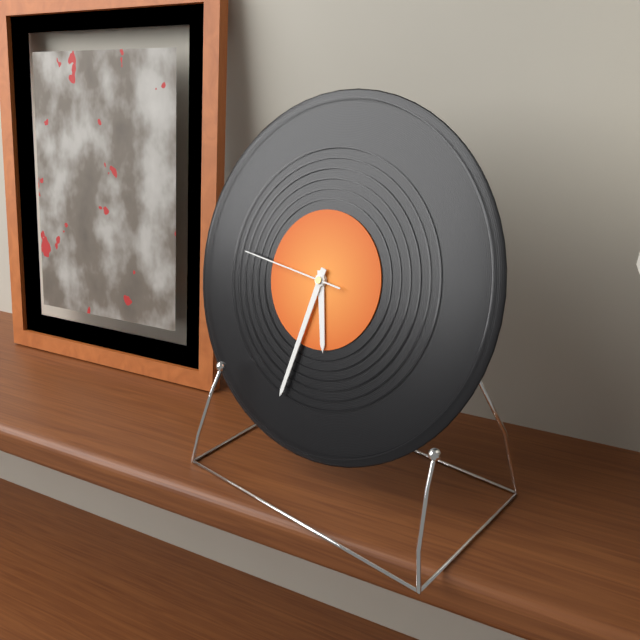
{"hour": 5, "minute": 32, "second": 46}
